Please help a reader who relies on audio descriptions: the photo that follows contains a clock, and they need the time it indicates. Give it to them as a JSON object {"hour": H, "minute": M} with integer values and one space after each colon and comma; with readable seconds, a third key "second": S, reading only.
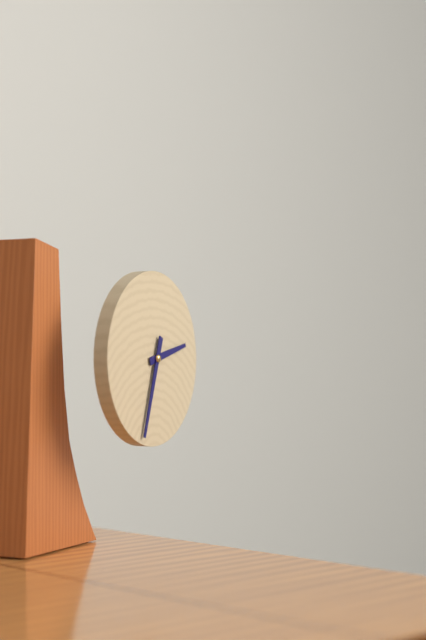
{"hour": 2, "minute": 33}
